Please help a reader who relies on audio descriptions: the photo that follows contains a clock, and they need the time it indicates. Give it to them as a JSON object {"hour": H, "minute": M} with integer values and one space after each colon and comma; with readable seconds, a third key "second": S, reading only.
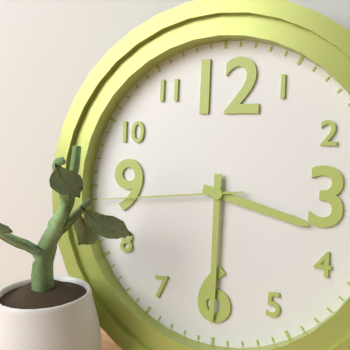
{"hour": 3, "minute": 30, "second": 44}
